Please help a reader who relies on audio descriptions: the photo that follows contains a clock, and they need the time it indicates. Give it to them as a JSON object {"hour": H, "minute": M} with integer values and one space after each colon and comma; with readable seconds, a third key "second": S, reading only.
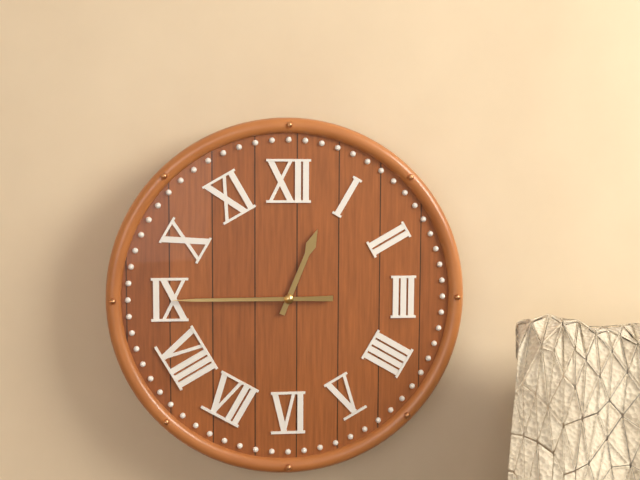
{"hour": 12, "minute": 45}
